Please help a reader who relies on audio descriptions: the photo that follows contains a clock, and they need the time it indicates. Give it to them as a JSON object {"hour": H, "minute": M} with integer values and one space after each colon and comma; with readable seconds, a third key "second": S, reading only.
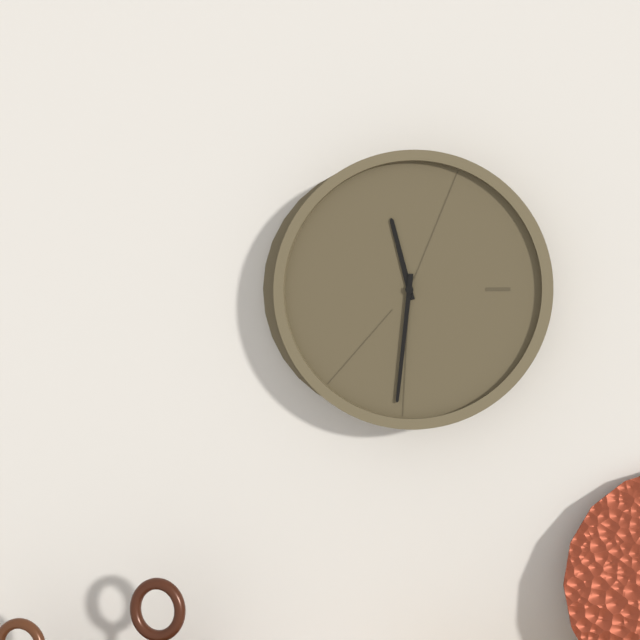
{"hour": 11, "minute": 31}
